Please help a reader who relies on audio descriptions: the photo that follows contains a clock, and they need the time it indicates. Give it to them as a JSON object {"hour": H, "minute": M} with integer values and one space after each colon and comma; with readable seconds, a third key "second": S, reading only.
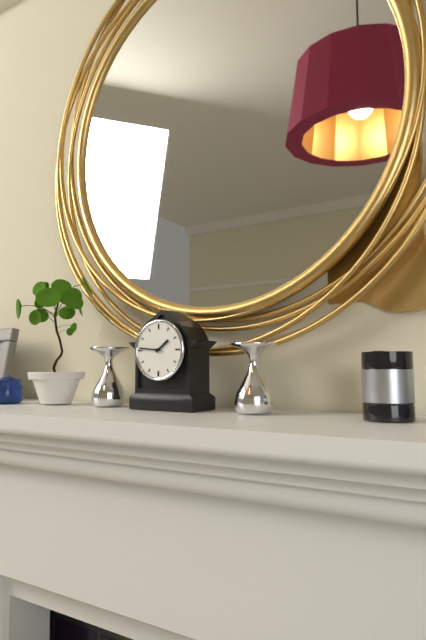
{"hour": 1, "minute": 46}
